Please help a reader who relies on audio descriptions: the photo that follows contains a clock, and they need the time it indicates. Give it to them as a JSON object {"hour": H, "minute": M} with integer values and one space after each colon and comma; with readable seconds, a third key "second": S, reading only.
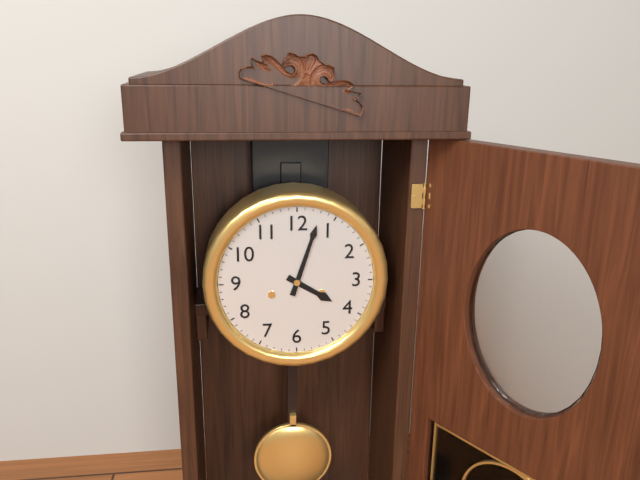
{"hour": 4, "minute": 3}
